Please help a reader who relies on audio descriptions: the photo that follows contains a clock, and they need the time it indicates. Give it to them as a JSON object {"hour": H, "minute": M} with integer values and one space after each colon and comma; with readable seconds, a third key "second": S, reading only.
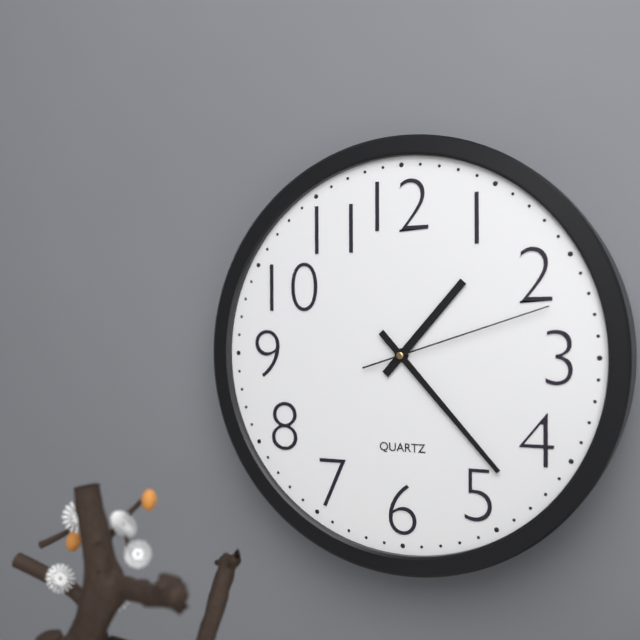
{"hour": 1, "minute": 23, "second": 12}
